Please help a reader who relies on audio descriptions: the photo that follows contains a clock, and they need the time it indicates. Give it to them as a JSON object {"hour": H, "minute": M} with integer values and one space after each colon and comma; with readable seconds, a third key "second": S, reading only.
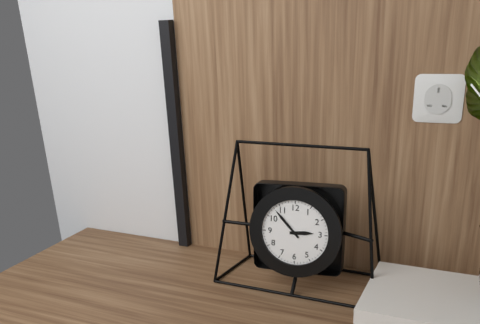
{"hour": 2, "minute": 53}
